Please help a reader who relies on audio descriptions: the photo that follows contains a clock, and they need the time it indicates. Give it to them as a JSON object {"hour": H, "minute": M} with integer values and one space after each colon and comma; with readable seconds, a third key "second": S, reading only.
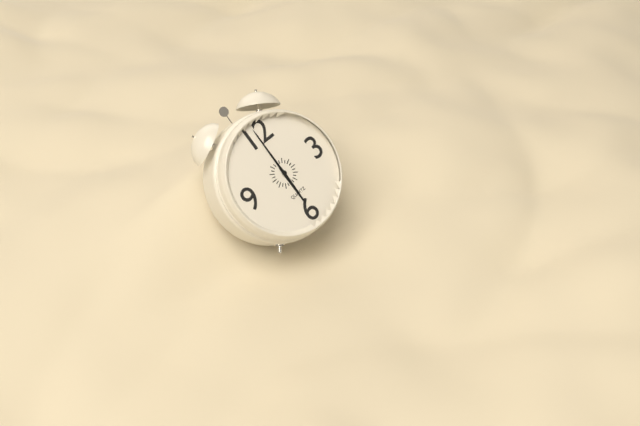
{"hour": 6, "minute": 0}
